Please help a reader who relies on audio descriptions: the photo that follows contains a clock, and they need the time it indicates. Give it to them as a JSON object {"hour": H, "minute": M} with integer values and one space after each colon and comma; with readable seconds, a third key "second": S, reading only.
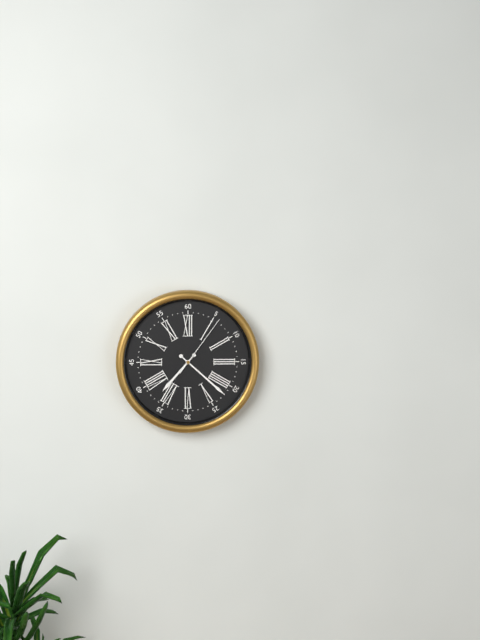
{"hour": 7, "minute": 22, "second": 6}
